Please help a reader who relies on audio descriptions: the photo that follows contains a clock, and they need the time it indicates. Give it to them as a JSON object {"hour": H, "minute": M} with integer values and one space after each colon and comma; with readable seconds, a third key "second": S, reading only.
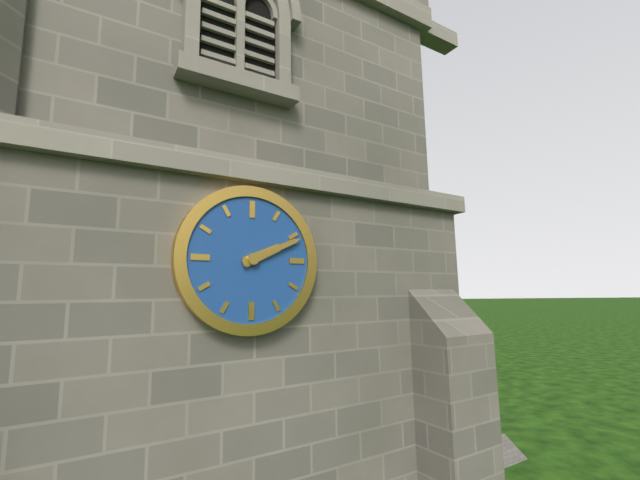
{"hour": 2, "minute": 11}
